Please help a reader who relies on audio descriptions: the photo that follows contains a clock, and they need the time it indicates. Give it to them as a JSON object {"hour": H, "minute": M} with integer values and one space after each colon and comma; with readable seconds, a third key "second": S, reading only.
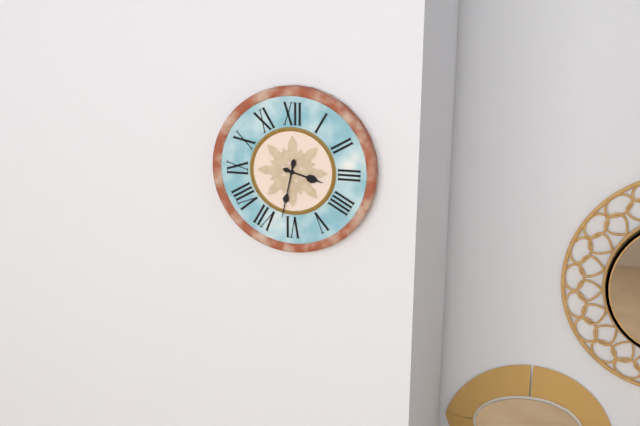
{"hour": 3, "minute": 32}
